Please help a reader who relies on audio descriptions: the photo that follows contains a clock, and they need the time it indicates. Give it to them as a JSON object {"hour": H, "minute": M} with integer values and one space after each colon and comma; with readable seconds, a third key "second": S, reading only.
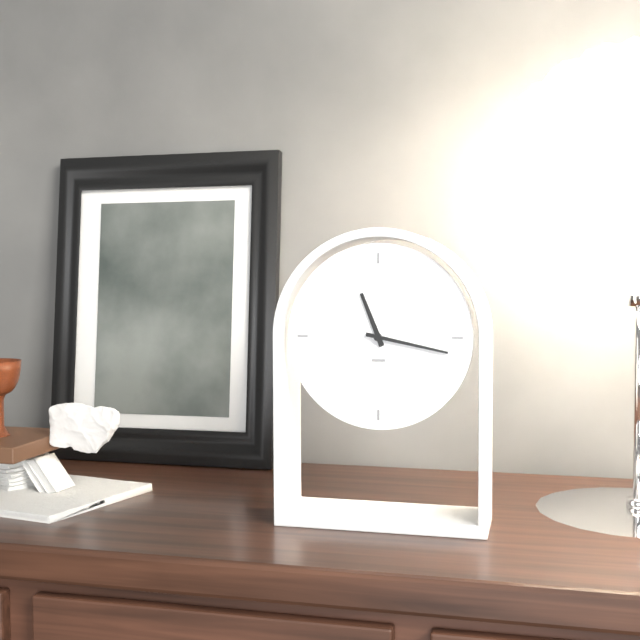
{"hour": 11, "minute": 17}
